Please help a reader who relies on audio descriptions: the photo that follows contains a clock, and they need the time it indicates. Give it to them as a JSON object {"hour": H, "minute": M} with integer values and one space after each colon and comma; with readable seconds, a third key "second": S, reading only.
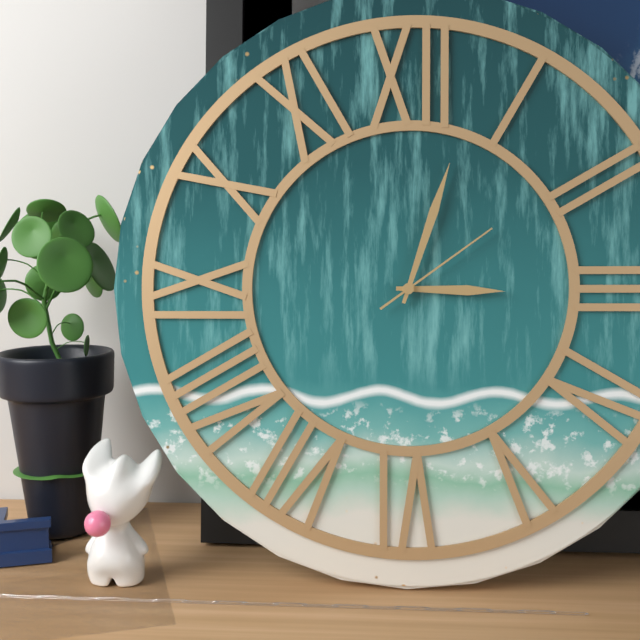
{"hour": 3, "minute": 3, "second": 9}
